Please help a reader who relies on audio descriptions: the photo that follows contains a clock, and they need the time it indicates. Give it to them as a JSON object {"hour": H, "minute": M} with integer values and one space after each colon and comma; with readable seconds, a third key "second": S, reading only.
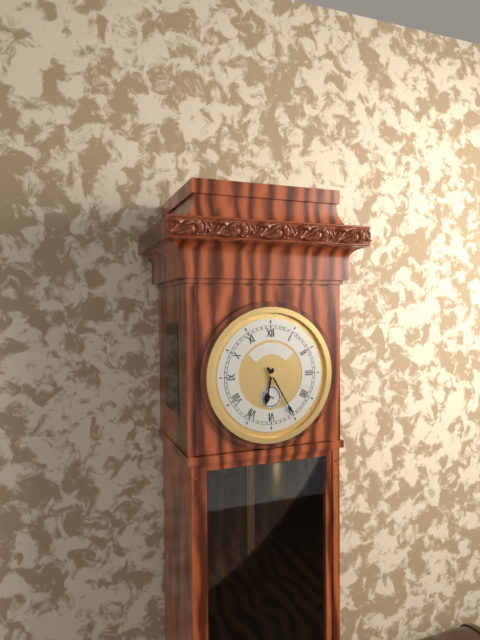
{"hour": 6, "minute": 25}
